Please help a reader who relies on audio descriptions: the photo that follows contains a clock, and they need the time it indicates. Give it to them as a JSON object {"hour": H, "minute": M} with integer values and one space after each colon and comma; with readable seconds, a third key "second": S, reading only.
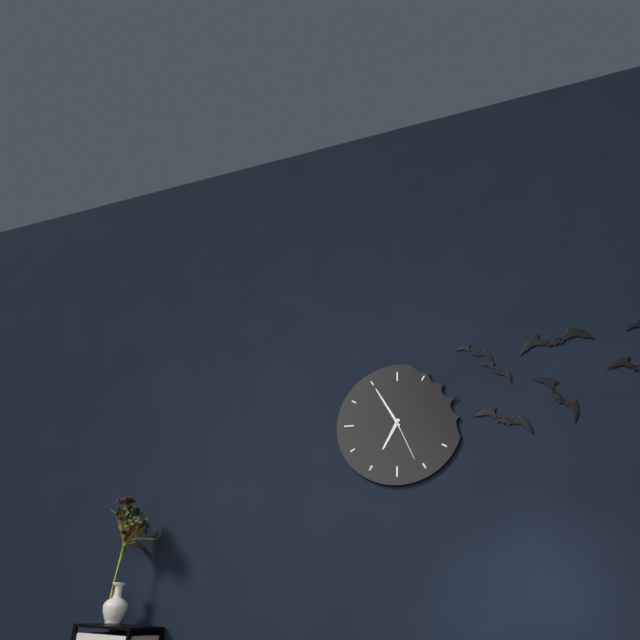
{"hour": 6, "minute": 55, "second": 26}
